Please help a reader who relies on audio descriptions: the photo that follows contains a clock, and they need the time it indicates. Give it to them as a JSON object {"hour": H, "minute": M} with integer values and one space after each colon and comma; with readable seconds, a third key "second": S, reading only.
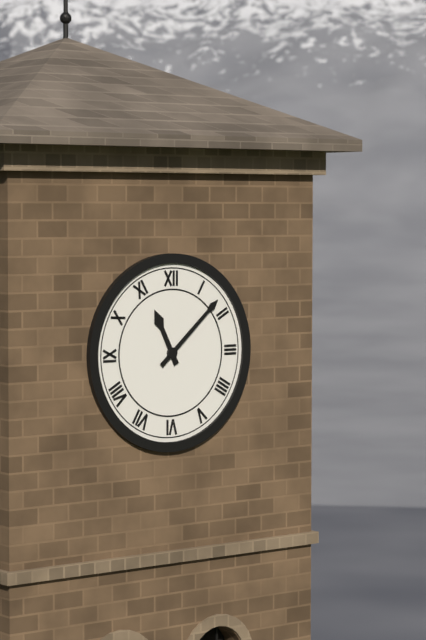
{"hour": 11, "minute": 8}
